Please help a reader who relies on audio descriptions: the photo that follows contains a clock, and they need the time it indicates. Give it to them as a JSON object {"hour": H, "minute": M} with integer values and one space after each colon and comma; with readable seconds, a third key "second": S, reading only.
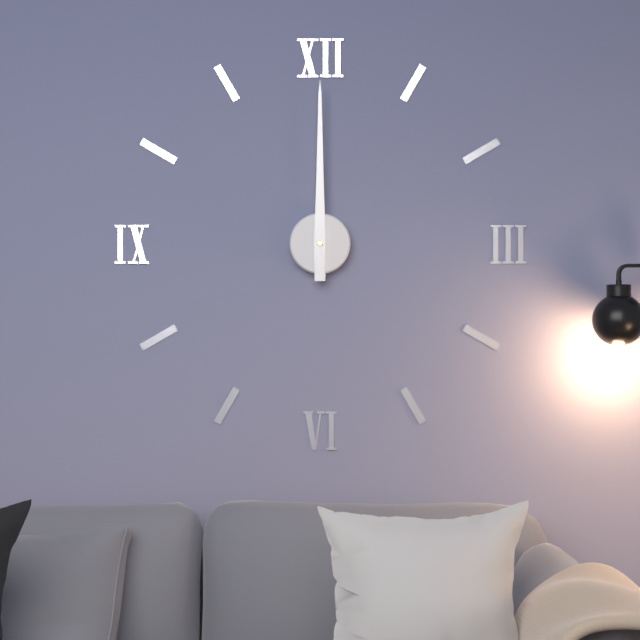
{"hour": 12, "minute": 0}
